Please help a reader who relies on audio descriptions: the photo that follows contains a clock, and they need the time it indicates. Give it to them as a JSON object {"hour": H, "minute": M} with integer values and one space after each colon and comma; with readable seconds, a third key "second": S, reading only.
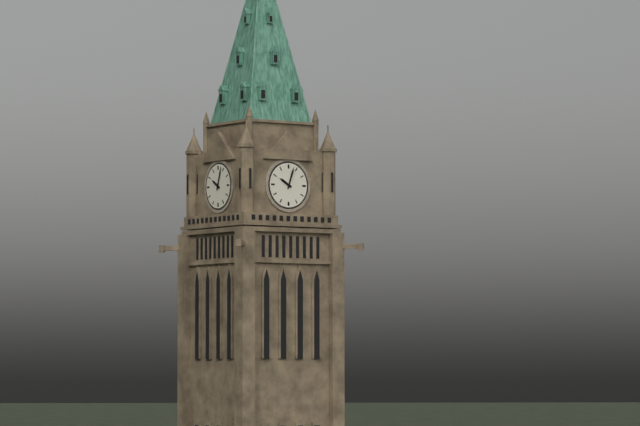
{"hour": 10, "minute": 3}
